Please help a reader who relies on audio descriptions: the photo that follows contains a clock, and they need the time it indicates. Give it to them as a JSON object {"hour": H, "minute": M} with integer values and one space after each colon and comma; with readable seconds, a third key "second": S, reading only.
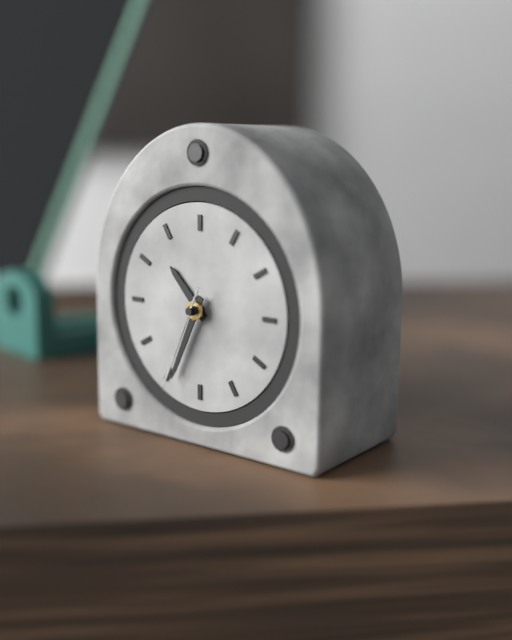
{"hour": 10, "minute": 34, "second": 34}
